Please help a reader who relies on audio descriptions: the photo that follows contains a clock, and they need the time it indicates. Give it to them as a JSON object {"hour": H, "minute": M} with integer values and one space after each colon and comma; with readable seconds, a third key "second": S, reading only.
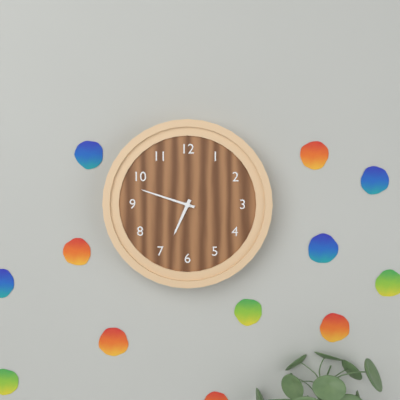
{"hour": 6, "minute": 48}
